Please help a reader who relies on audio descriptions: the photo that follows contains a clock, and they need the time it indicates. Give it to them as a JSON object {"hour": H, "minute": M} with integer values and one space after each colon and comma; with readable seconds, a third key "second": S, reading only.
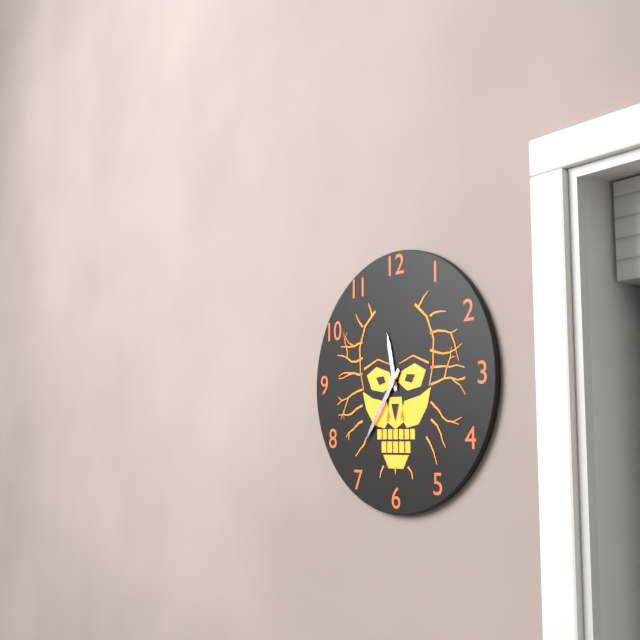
{"hour": 11, "minute": 36}
